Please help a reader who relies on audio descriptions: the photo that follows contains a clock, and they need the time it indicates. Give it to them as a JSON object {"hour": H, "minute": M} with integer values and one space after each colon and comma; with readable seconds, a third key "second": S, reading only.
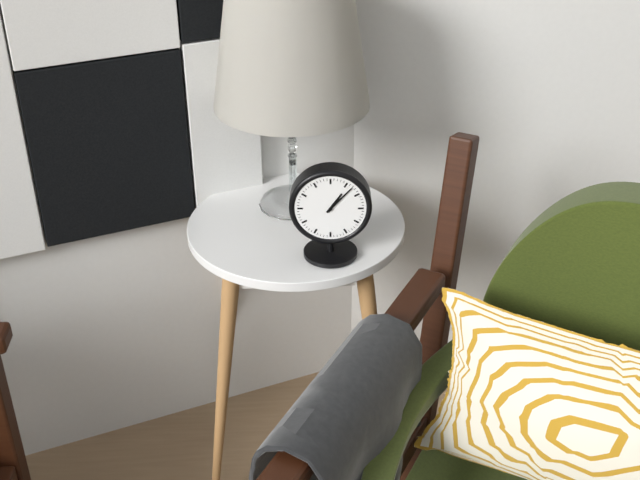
{"hour": 1, "minute": 7}
